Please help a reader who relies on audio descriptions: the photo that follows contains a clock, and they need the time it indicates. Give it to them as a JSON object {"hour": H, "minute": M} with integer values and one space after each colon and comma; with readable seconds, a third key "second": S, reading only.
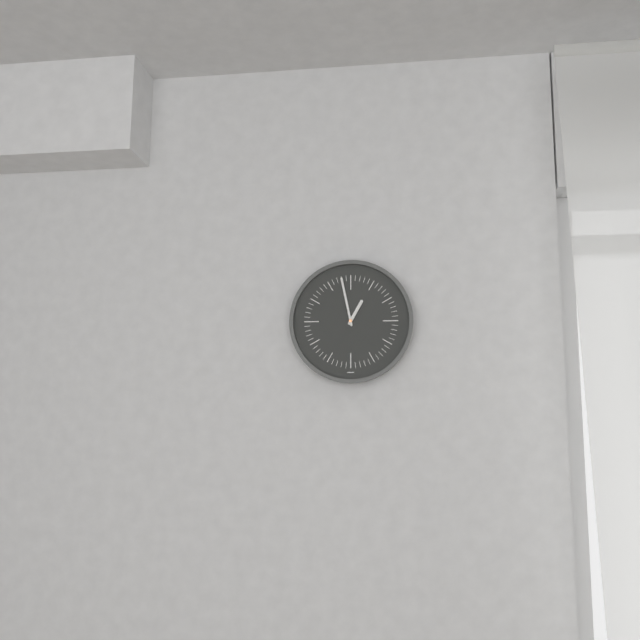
{"hour": 12, "minute": 58}
